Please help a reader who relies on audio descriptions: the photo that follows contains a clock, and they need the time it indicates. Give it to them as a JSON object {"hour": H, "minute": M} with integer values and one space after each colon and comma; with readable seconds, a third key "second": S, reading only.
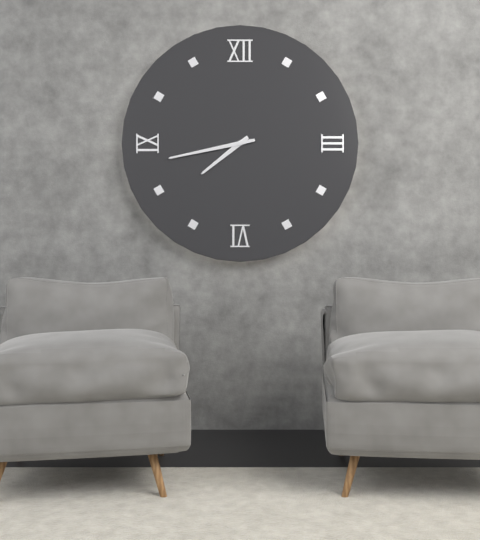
{"hour": 7, "minute": 43}
